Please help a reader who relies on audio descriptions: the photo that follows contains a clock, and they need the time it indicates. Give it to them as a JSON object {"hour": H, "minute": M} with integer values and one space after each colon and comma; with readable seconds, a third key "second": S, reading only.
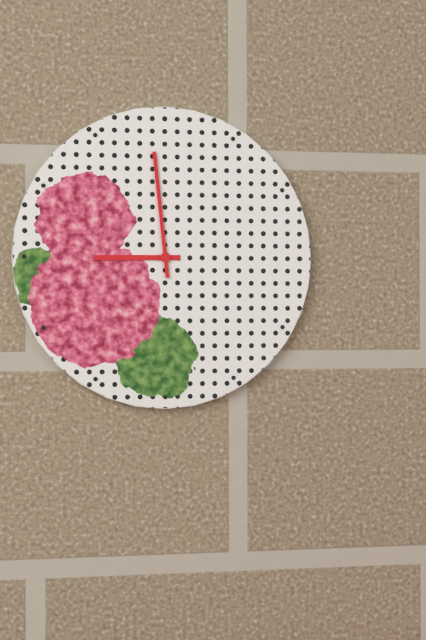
{"hour": 8, "minute": 59}
